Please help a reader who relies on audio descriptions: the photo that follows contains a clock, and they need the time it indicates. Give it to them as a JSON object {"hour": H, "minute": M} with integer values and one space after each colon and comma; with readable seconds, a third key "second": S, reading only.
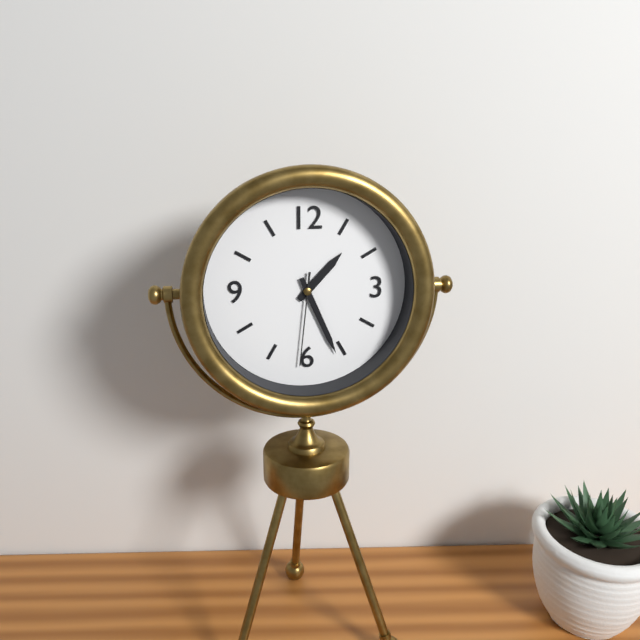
{"hour": 1, "minute": 26, "second": 31}
